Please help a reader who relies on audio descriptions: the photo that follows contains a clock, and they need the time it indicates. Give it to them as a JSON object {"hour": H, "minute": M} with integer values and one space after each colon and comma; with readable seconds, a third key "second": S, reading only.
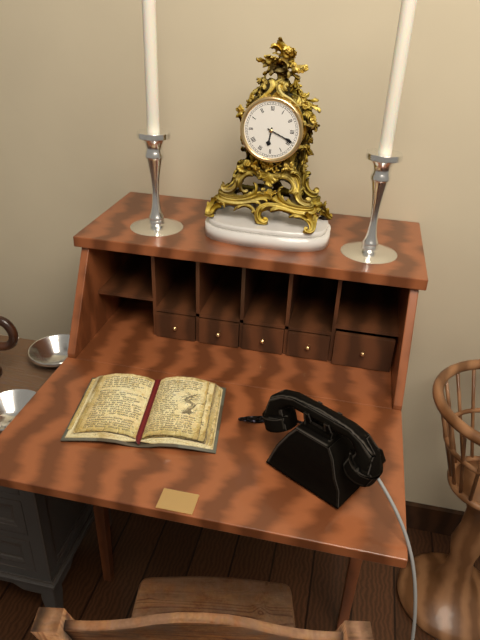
{"hour": 6, "minute": 19}
